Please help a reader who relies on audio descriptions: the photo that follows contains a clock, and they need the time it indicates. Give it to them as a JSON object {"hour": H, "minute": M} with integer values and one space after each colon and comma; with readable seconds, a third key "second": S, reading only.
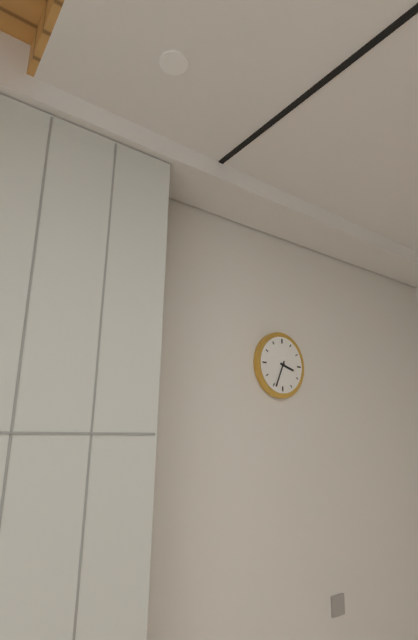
{"hour": 3, "minute": 34}
